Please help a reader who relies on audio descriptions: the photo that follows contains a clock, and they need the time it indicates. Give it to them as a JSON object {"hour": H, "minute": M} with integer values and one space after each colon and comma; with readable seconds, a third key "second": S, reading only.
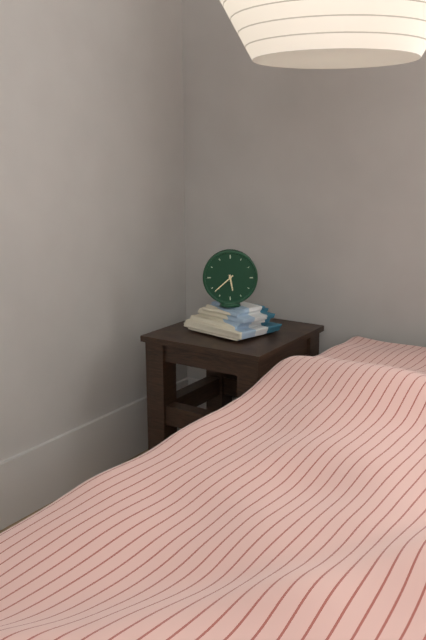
{"hour": 5, "minute": 38}
